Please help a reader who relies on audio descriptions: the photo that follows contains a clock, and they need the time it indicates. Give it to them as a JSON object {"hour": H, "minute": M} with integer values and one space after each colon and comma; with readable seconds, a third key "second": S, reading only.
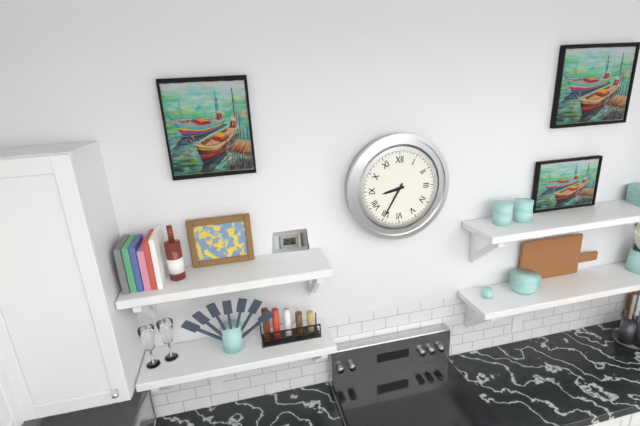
{"hour": 8, "minute": 35}
